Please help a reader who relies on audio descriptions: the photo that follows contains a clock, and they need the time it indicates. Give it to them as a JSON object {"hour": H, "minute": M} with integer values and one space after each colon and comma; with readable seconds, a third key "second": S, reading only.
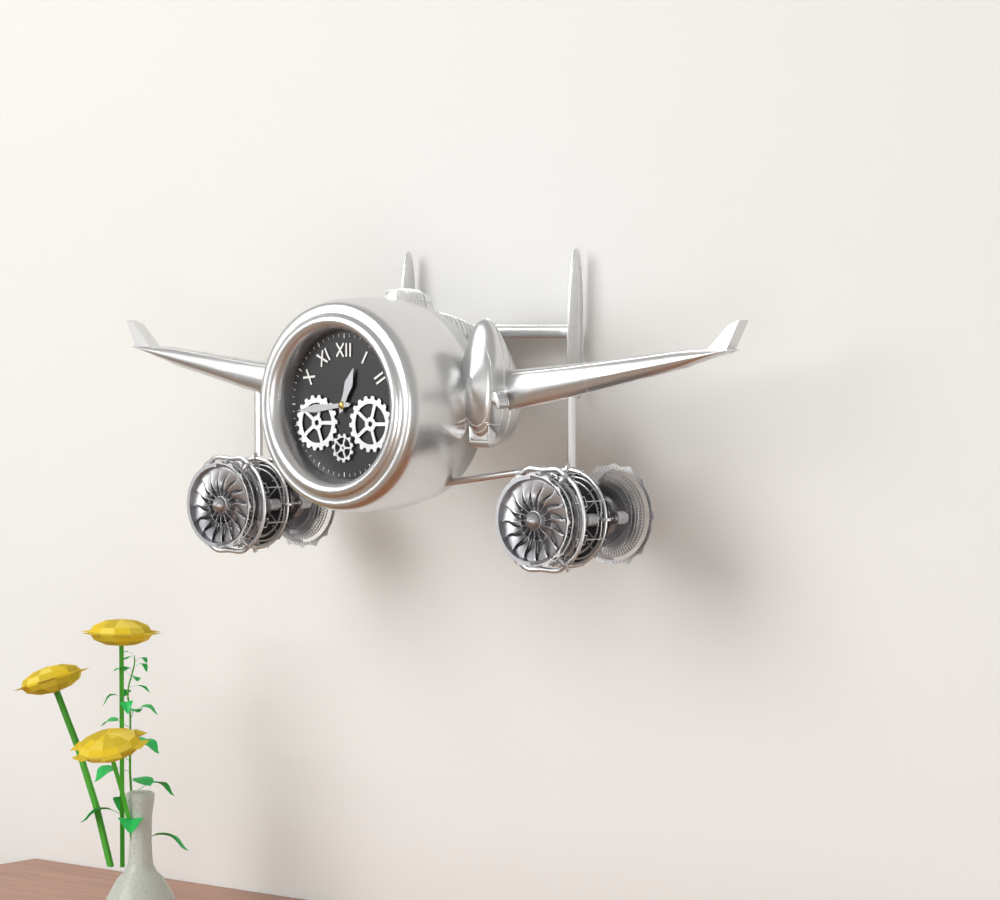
{"hour": 12, "minute": 44}
